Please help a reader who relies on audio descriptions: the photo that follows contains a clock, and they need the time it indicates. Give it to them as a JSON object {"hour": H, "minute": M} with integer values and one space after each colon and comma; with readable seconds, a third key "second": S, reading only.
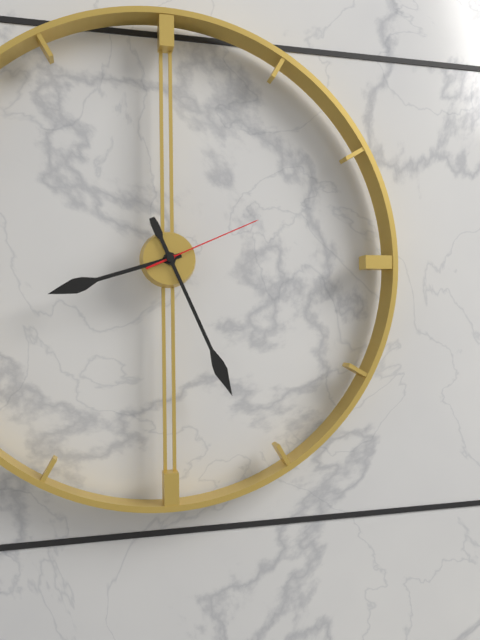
{"hour": 8, "minute": 26, "second": 11}
